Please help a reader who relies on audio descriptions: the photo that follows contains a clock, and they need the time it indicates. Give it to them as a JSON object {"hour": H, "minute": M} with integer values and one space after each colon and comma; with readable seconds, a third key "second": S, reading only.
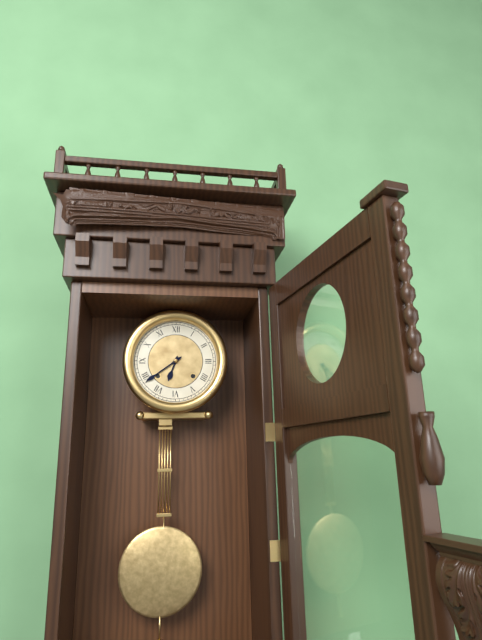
{"hour": 6, "minute": 39}
